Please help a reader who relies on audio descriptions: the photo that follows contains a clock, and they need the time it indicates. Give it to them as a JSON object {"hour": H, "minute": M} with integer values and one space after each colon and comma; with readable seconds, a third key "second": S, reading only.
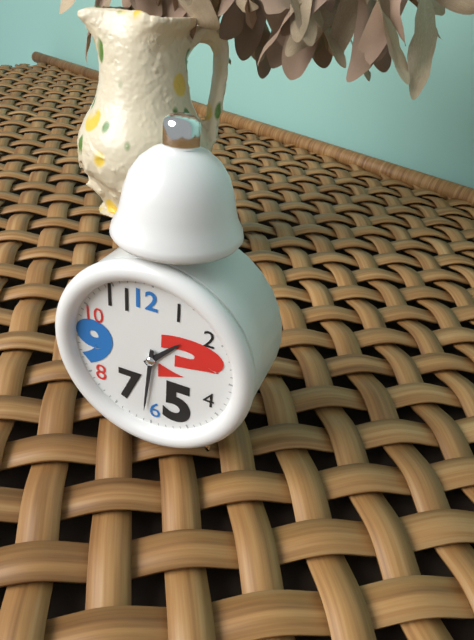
{"hour": 1, "minute": 31}
